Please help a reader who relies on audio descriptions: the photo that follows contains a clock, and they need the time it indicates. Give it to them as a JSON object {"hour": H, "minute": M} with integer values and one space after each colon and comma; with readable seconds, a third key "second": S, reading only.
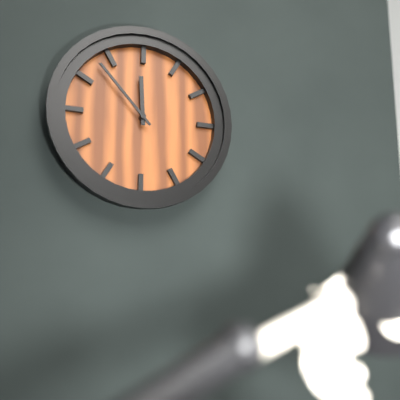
{"hour": 11, "minute": 53}
